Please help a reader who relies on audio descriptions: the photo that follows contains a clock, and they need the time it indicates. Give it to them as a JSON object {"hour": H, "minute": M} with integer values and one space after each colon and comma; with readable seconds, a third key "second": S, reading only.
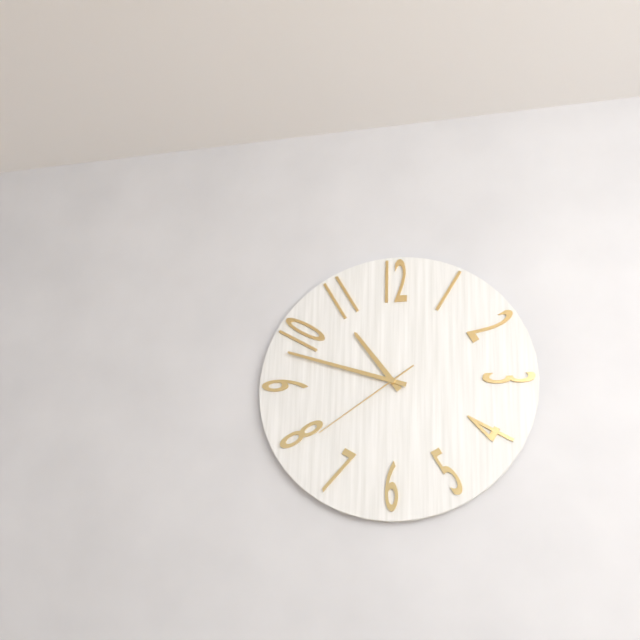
{"hour": 10, "minute": 48, "second": 39}
